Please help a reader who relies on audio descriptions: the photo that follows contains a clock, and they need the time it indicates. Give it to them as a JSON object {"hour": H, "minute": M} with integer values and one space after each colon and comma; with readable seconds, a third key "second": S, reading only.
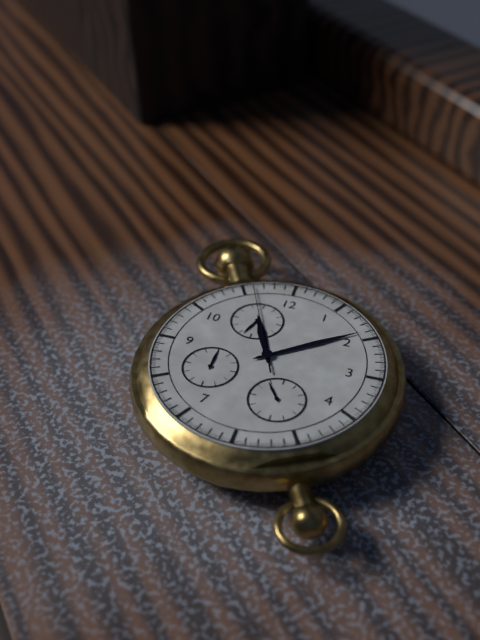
{"hour": 11, "minute": 9, "second": 56}
